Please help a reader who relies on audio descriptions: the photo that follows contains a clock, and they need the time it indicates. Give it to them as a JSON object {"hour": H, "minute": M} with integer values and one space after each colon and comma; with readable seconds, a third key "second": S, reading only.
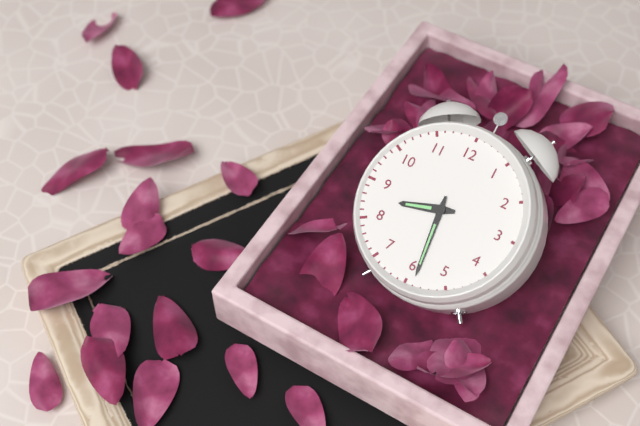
{"hour": 8, "minute": 29}
